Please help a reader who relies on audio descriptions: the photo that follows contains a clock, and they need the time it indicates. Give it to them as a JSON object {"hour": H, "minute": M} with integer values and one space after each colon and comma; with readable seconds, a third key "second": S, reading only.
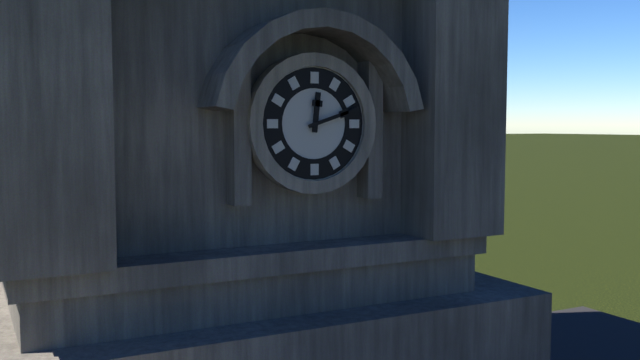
{"hour": 12, "minute": 12}
